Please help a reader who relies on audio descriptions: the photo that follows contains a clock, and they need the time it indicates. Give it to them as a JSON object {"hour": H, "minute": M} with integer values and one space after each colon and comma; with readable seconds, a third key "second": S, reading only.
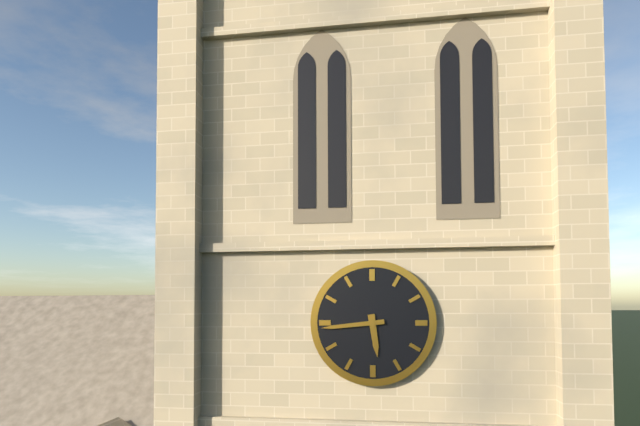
{"hour": 5, "minute": 44}
